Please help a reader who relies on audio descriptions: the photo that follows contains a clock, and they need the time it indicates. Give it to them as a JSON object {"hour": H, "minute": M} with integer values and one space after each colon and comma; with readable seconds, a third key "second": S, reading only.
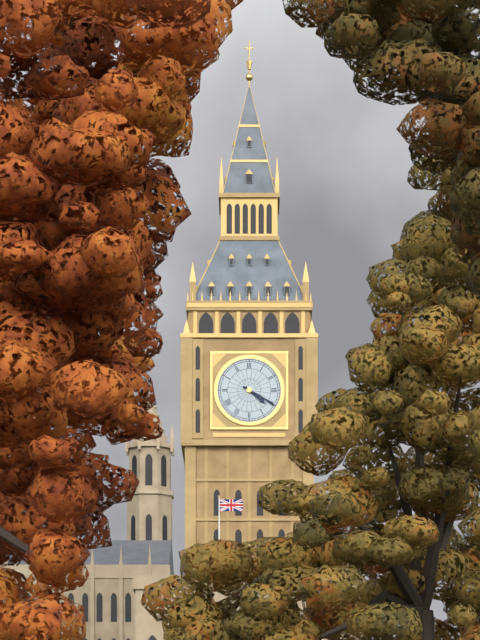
{"hour": 4, "minute": 20}
